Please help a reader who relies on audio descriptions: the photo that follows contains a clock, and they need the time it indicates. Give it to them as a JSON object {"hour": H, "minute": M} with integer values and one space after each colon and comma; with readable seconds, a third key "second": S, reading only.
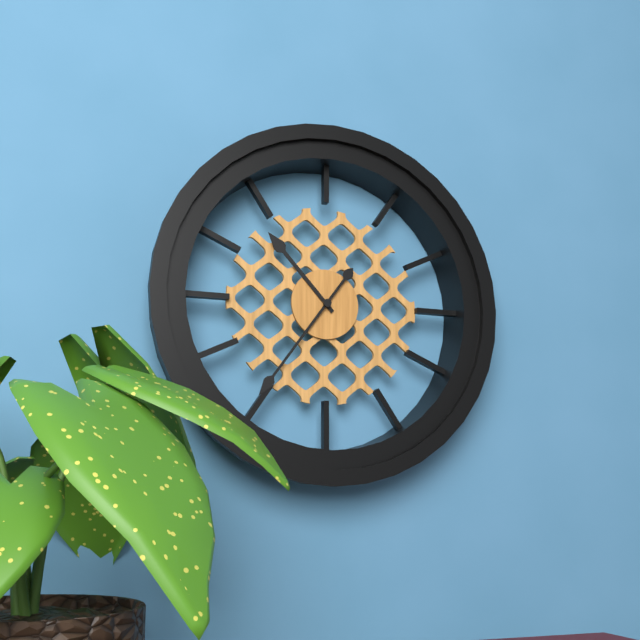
{"hour": 10, "minute": 36}
